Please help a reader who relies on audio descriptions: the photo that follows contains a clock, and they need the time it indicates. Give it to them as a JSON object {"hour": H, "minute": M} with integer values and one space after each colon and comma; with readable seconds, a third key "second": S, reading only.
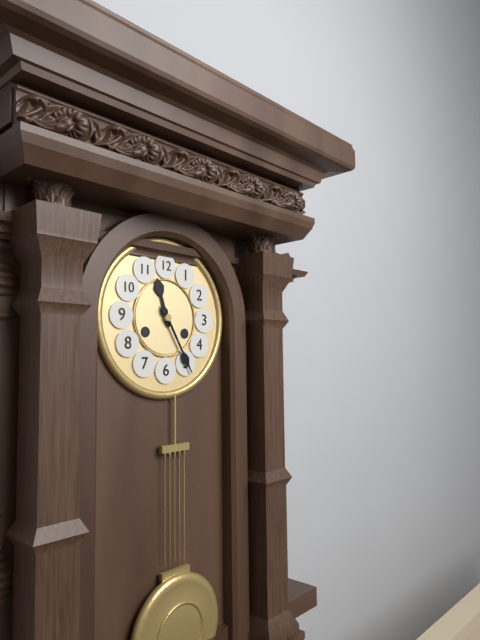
{"hour": 11, "minute": 25}
